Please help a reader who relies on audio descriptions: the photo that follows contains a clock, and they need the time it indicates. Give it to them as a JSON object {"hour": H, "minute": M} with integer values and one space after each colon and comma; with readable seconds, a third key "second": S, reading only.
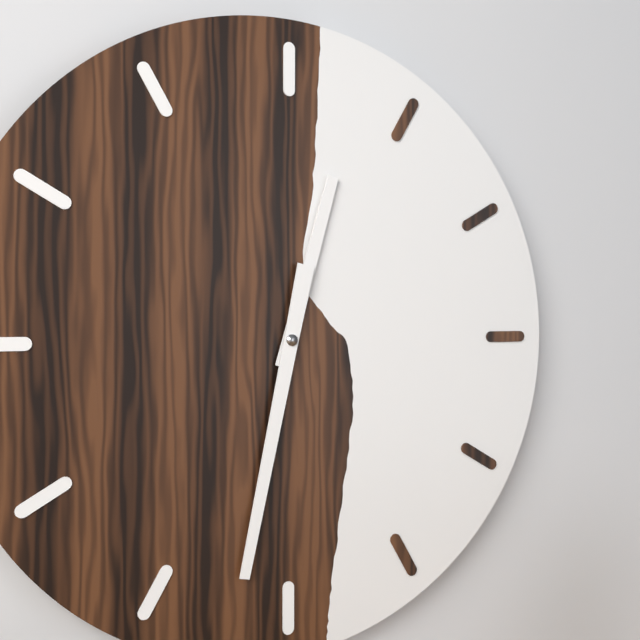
{"hour": 12, "minute": 32}
